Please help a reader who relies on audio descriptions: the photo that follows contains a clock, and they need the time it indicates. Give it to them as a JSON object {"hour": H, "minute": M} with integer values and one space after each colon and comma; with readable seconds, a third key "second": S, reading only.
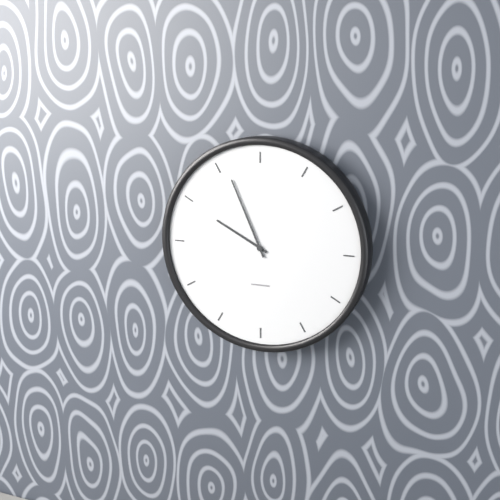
{"hour": 9, "minute": 56}
